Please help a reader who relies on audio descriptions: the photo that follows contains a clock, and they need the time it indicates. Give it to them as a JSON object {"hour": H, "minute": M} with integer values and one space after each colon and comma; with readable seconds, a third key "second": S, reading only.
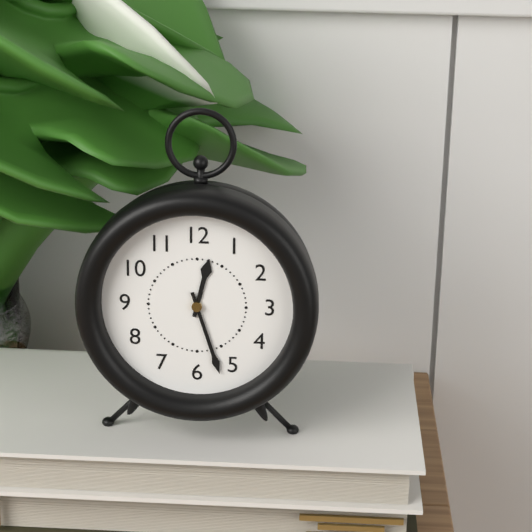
{"hour": 12, "minute": 27}
